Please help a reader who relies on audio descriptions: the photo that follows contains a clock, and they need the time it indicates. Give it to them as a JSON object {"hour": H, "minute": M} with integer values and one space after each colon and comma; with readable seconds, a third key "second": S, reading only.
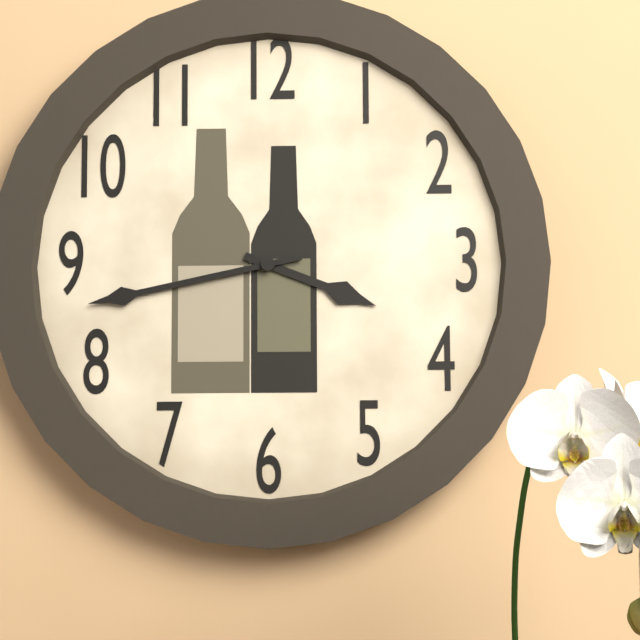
{"hour": 3, "minute": 43}
